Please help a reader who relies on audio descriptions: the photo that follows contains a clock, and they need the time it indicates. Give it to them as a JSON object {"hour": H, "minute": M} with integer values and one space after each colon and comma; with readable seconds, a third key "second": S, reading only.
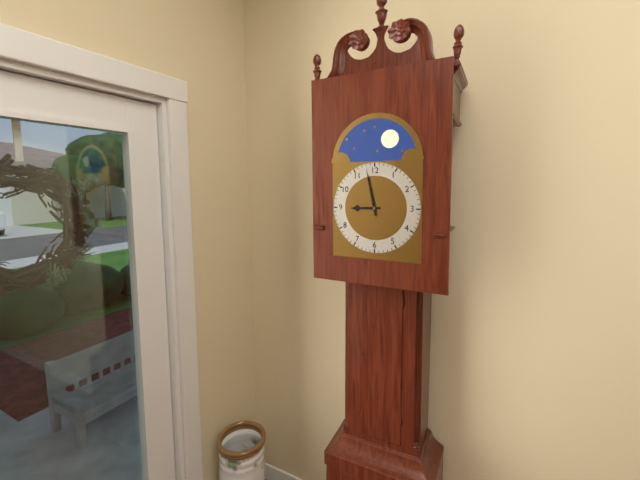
{"hour": 8, "minute": 58}
